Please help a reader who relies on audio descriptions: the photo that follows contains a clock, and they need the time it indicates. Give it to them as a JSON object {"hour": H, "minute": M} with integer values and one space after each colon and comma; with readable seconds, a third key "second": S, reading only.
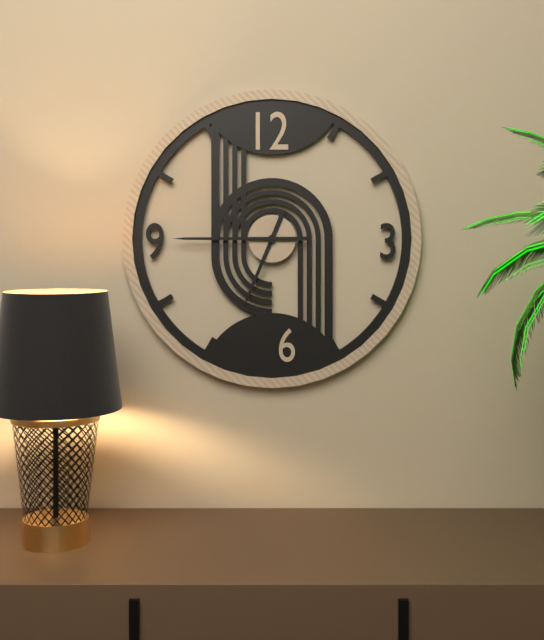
{"hour": 6, "minute": 45}
